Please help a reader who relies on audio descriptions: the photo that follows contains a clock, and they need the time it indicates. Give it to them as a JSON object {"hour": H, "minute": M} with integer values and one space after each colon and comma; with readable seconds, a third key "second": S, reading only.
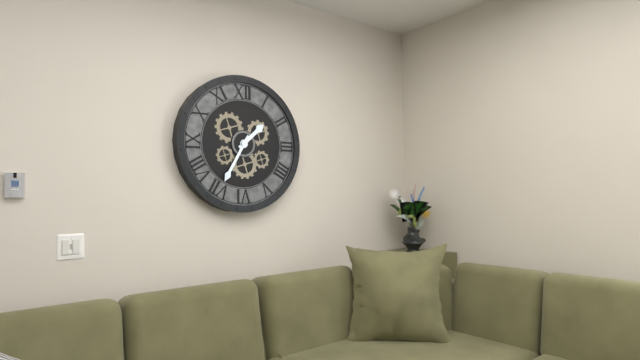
{"hour": 1, "minute": 35}
